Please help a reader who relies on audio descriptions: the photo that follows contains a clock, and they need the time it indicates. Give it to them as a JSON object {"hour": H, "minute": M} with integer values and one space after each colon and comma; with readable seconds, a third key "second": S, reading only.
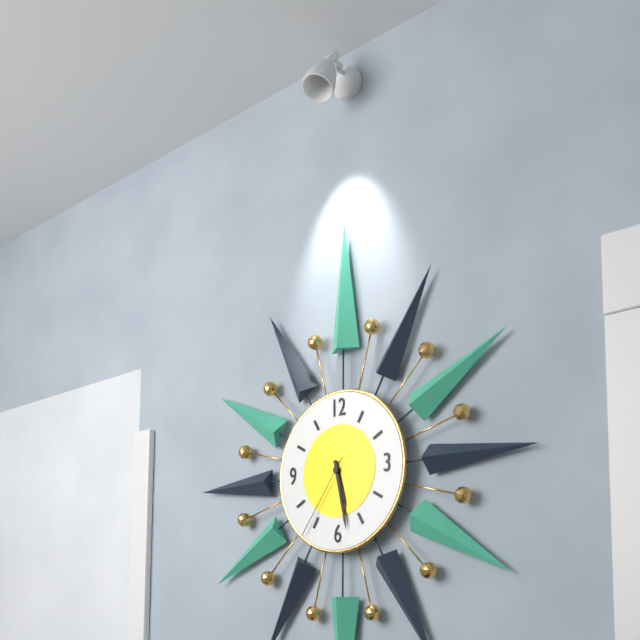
{"hour": 5, "minute": 28, "second": 36}
